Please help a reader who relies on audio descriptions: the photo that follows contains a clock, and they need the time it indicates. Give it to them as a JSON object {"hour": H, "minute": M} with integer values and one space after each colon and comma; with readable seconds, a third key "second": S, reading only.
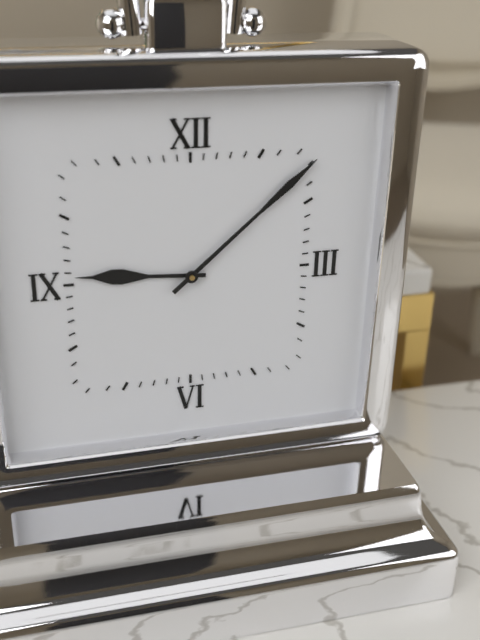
{"hour": 9, "minute": 8}
